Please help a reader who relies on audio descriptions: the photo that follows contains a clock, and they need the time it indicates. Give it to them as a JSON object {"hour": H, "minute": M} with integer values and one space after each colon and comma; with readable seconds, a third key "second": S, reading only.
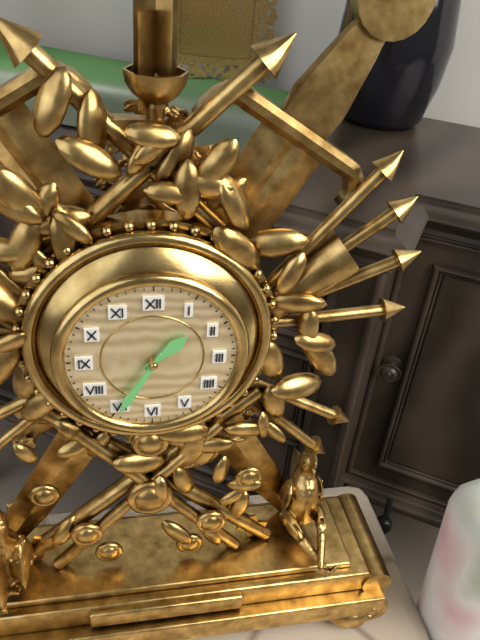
{"hour": 1, "minute": 35}
